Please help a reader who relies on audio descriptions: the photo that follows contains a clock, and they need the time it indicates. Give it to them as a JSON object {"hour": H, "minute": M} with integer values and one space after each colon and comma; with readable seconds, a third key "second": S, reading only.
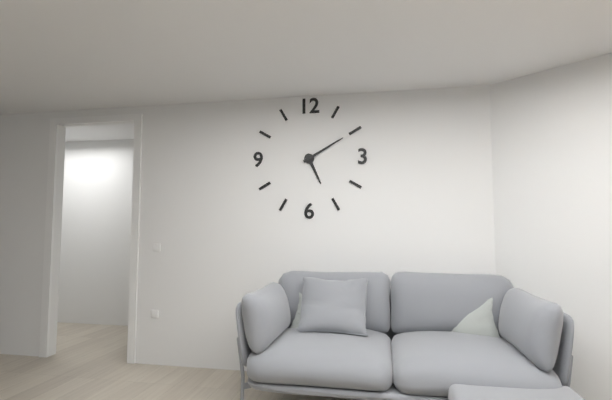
{"hour": 5, "minute": 10}
